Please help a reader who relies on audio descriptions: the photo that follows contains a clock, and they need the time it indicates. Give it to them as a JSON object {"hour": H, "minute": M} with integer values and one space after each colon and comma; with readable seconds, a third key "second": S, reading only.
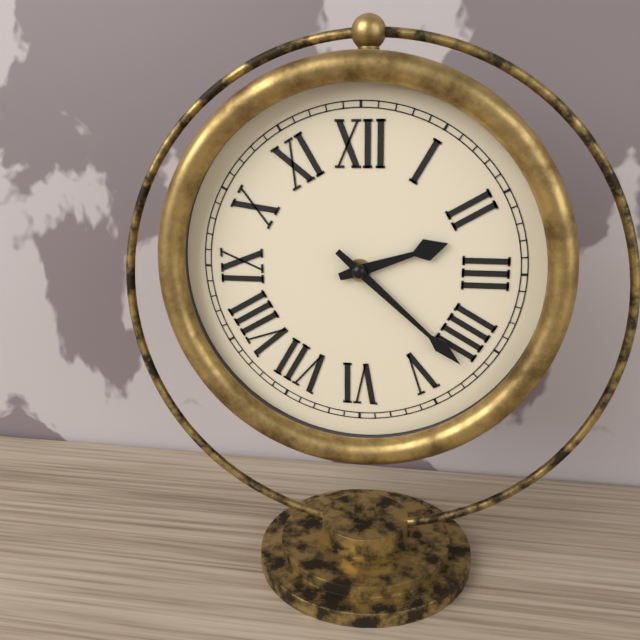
{"hour": 2, "minute": 22}
